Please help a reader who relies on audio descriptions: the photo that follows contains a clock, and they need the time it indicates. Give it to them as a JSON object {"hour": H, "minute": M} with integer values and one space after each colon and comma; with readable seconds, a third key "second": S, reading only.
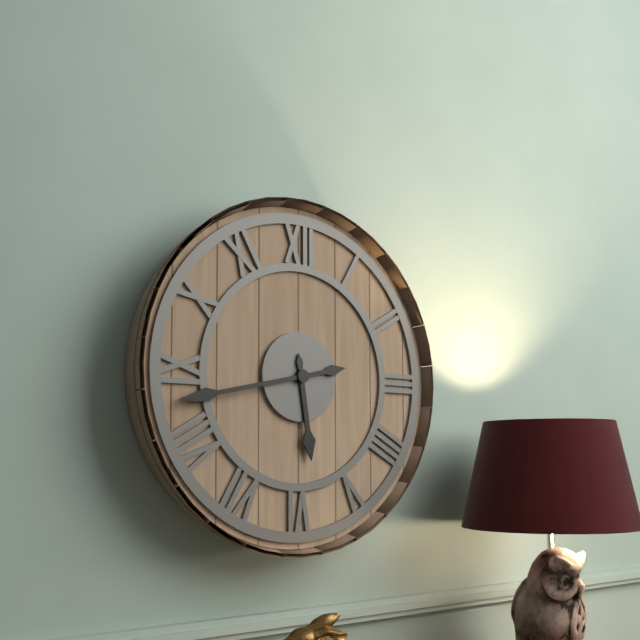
{"hour": 5, "minute": 43}
